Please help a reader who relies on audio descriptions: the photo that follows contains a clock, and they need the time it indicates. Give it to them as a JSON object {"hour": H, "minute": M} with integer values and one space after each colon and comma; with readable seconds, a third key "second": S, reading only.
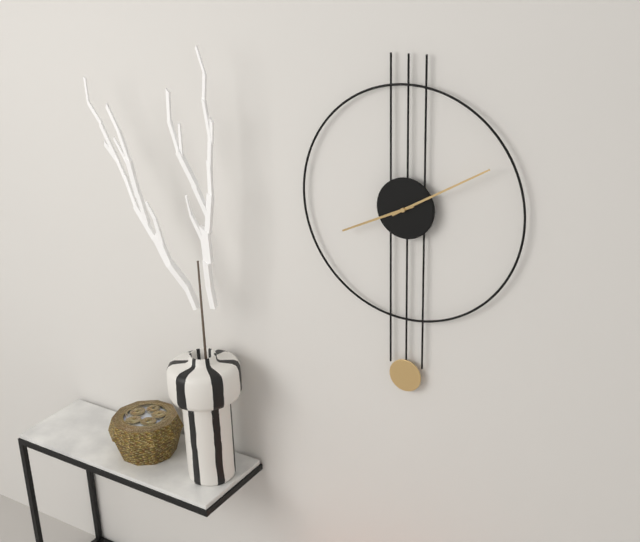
{"hour": 8, "minute": 10}
